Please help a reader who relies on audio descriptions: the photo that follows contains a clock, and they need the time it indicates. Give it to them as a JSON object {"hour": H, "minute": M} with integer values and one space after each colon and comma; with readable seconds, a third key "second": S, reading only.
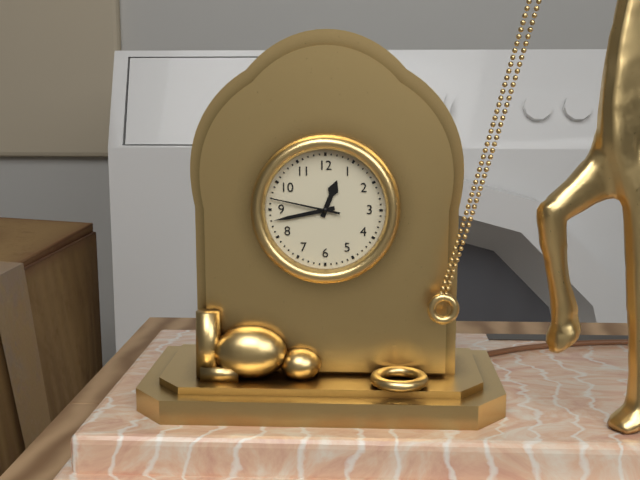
{"hour": 12, "minute": 43, "second": 47}
